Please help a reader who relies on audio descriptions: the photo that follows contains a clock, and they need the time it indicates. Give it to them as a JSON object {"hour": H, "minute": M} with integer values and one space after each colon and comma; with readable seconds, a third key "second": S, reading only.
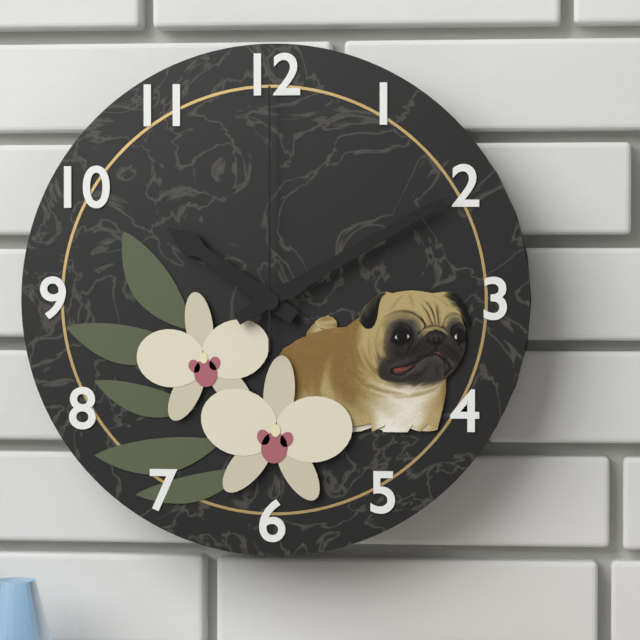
{"hour": 10, "minute": 10, "second": 0}
